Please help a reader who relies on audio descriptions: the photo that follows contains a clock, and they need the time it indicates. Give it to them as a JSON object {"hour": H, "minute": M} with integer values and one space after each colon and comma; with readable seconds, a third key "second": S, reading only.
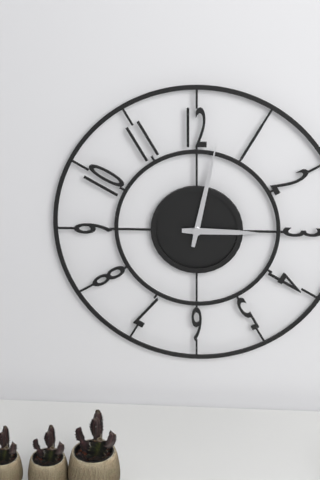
{"hour": 3, "minute": 2}
